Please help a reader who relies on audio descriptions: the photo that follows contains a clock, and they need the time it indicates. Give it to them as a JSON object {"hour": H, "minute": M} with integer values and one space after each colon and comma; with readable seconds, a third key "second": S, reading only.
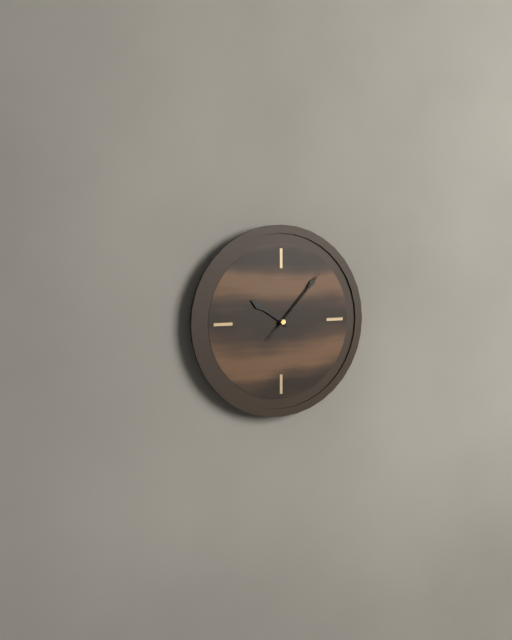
{"hour": 10, "minute": 7, "second": 7}
